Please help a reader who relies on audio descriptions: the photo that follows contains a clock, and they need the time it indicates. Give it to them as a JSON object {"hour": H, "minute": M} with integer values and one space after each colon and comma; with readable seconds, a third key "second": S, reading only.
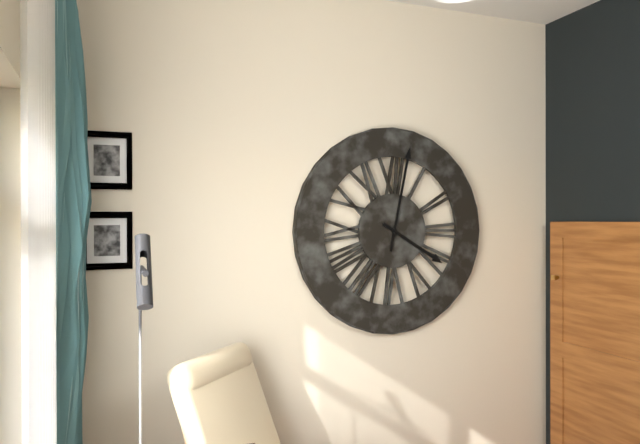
{"hour": 4, "minute": 2}
